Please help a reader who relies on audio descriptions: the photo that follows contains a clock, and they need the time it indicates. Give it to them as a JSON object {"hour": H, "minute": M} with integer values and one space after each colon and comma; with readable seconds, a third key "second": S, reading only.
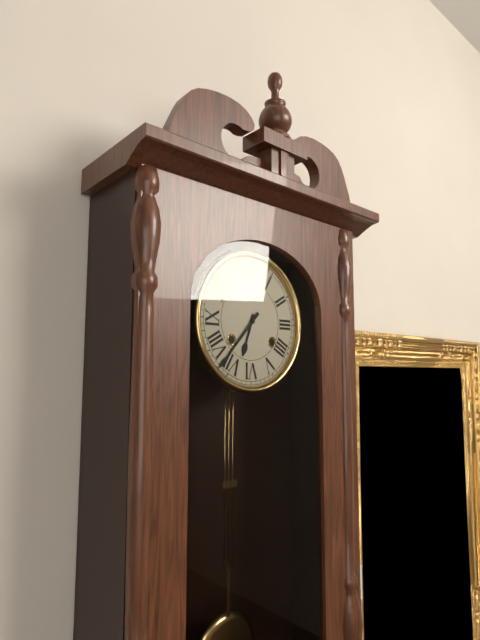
{"hour": 6, "minute": 37}
